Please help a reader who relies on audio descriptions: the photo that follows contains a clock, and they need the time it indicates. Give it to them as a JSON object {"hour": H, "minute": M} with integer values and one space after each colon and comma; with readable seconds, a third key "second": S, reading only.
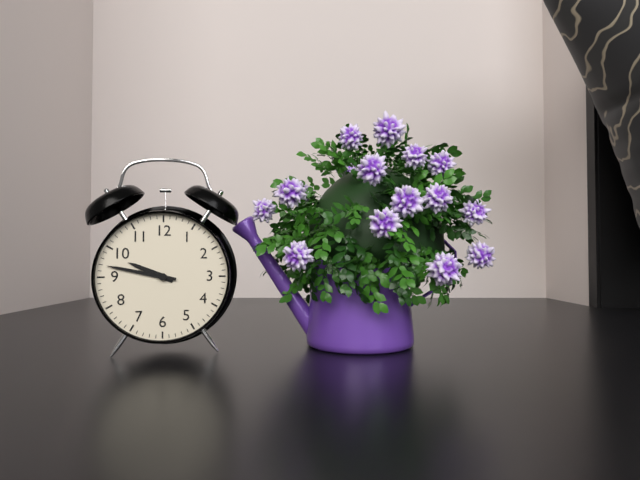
{"hour": 9, "minute": 47}
